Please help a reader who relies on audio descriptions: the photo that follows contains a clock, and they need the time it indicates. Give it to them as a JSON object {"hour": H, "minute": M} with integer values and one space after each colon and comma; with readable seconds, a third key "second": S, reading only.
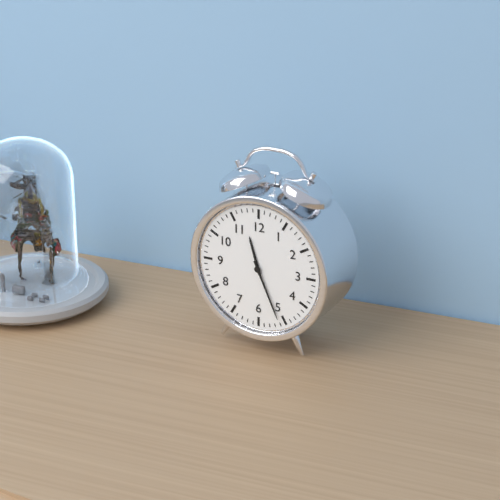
{"hour": 11, "minute": 26}
